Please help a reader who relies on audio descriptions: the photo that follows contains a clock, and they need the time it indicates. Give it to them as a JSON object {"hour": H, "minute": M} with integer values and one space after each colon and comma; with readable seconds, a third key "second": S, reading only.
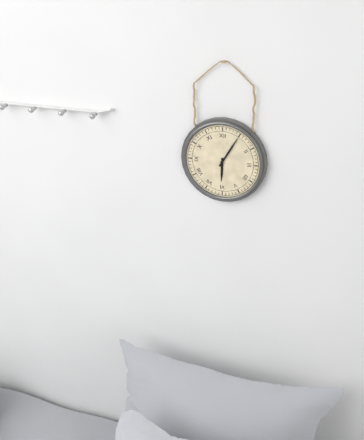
{"hour": 6, "minute": 5}
